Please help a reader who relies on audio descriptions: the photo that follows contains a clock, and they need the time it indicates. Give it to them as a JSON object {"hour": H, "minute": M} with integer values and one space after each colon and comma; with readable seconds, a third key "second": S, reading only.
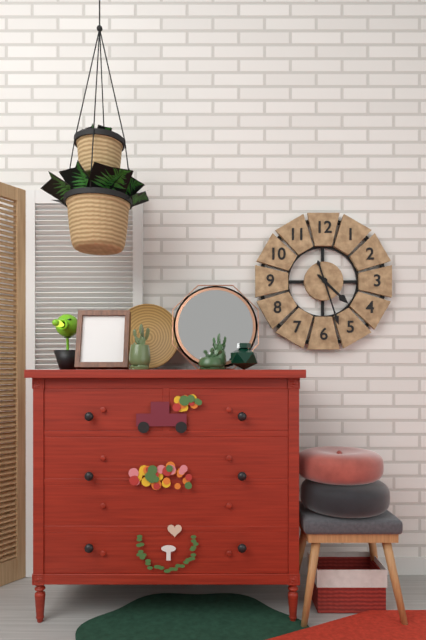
{"hour": 4, "minute": 27}
